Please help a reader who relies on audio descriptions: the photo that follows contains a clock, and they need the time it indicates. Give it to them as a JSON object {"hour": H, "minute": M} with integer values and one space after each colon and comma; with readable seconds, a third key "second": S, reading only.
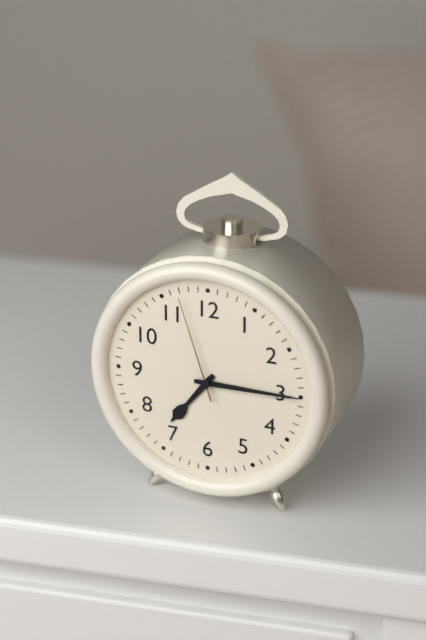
{"hour": 7, "minute": 15, "second": 57}
